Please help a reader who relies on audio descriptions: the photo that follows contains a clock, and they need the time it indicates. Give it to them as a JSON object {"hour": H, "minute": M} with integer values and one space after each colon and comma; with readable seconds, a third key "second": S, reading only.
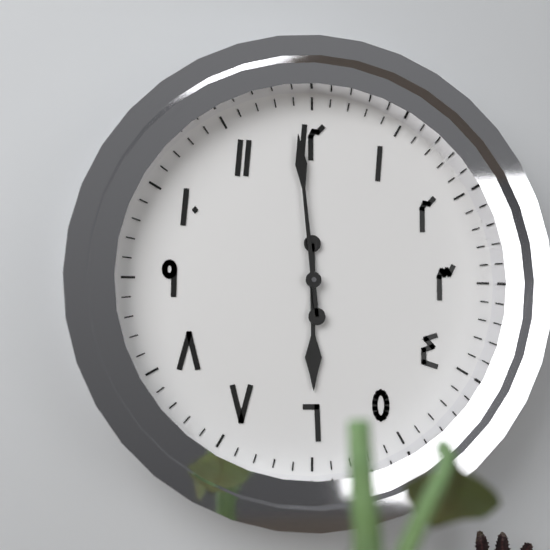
{"hour": 5, "minute": 59}
